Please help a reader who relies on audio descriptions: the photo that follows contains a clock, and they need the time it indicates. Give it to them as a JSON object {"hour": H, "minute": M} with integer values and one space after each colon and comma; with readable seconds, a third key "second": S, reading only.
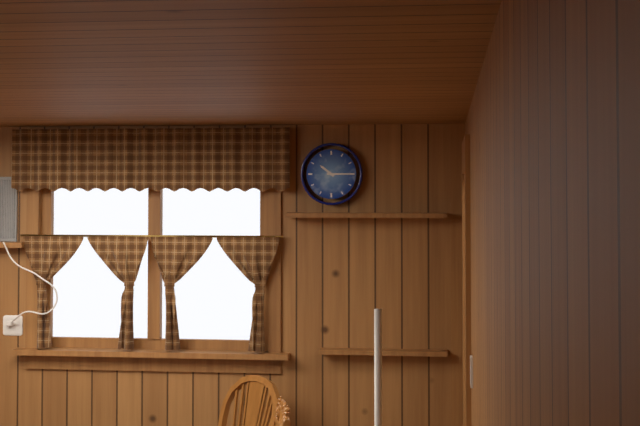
{"hour": 10, "minute": 15}
